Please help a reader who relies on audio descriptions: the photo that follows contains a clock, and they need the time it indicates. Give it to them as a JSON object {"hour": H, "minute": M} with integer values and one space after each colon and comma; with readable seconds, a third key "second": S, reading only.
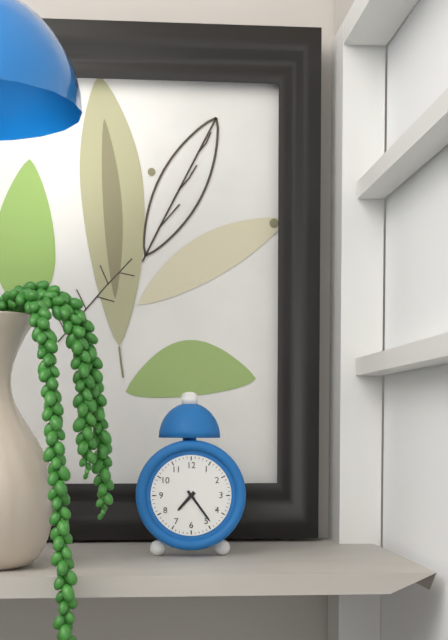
{"hour": 7, "minute": 24}
